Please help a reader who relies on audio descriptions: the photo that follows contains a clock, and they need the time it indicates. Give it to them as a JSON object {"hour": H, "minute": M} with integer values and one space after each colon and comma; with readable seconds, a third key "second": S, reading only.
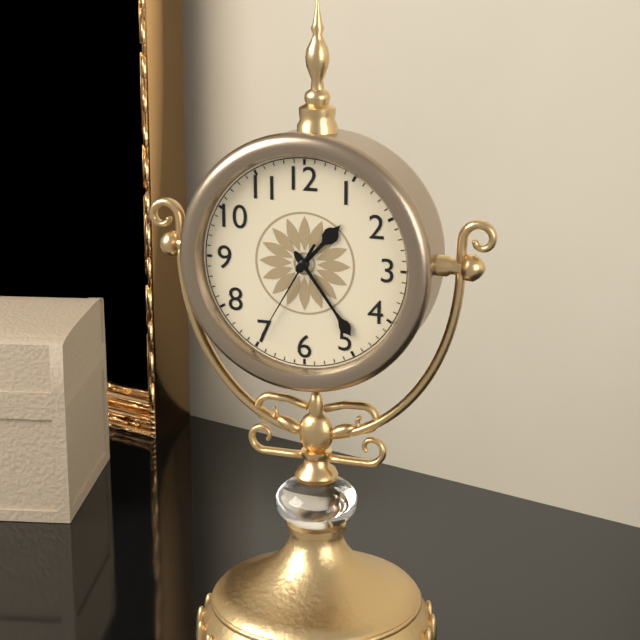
{"hour": 1, "minute": 24, "second": 35}
